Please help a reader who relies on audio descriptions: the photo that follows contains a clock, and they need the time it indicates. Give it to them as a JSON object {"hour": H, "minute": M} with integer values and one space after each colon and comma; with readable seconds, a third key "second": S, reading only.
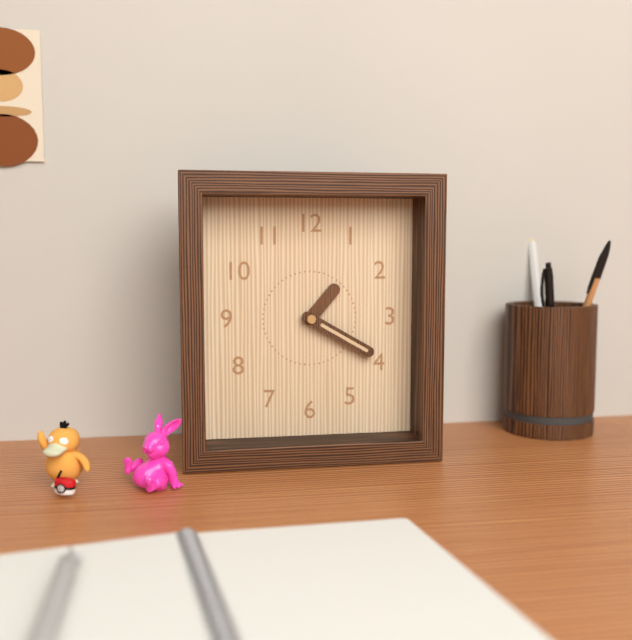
{"hour": 1, "minute": 20}
